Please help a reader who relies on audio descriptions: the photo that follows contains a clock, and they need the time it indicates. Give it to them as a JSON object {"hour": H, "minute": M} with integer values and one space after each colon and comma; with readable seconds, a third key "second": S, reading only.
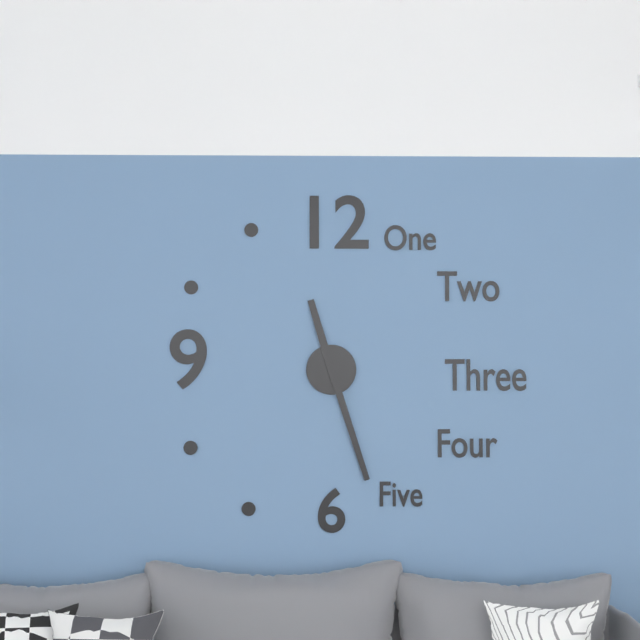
{"hour": 11, "minute": 27}
